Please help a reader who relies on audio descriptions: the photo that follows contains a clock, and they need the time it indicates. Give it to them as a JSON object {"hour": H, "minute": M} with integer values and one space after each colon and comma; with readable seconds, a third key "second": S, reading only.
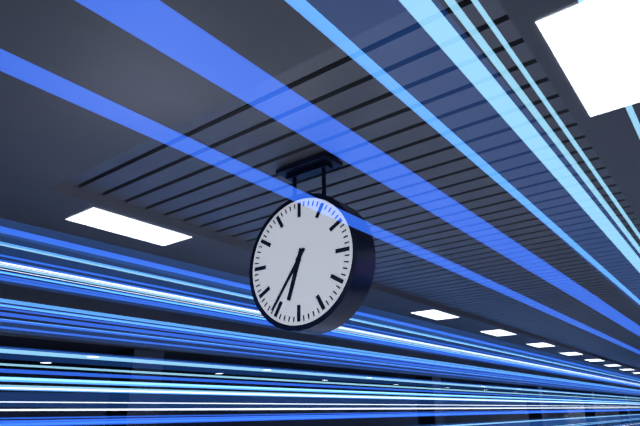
{"hour": 6, "minute": 36}
